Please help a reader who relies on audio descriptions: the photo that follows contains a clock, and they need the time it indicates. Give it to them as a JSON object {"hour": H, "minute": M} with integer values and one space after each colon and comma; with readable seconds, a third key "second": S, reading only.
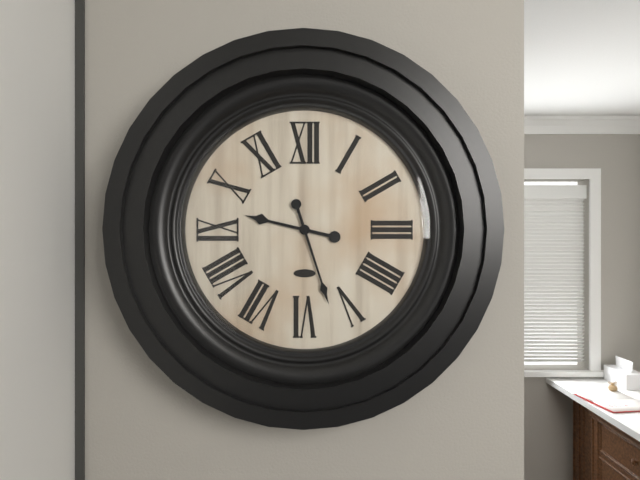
{"hour": 9, "minute": 27}
